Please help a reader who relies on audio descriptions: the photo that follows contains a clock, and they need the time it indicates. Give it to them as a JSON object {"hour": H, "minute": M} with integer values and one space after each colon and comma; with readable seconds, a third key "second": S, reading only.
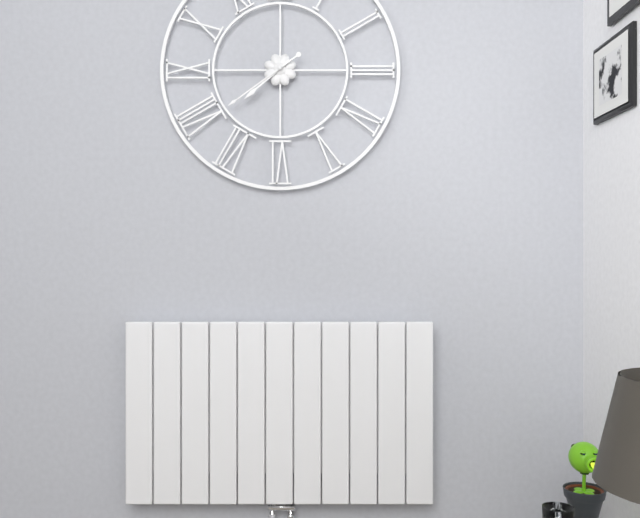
{"hour": 7, "minute": 39}
